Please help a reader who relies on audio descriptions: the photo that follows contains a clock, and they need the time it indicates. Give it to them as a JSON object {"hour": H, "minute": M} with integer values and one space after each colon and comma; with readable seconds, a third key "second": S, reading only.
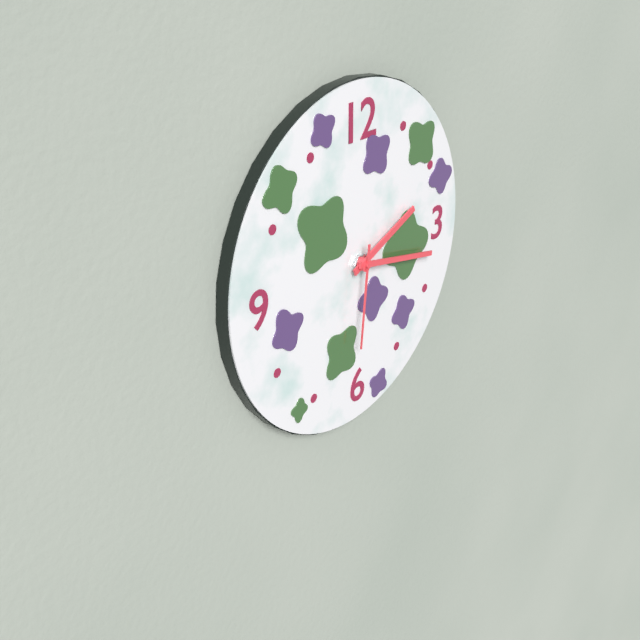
{"hour": 2, "minute": 17, "second": 31}
